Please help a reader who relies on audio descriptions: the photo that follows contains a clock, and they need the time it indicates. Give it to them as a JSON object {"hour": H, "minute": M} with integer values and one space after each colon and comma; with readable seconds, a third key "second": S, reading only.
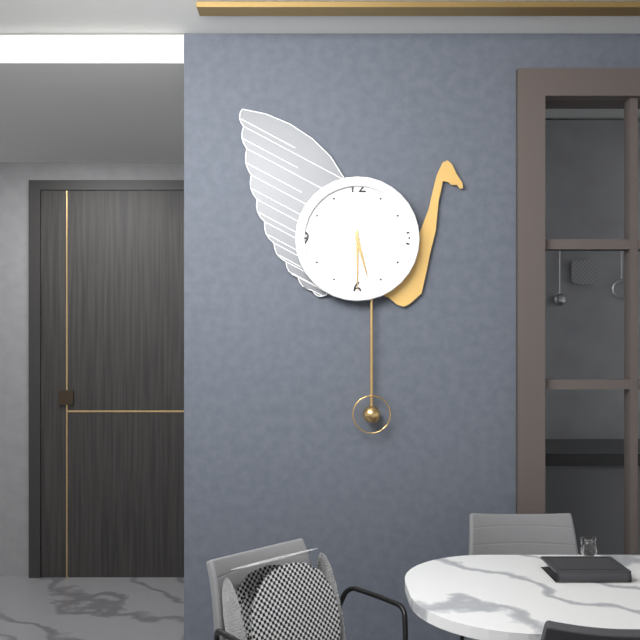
{"hour": 5, "minute": 30}
